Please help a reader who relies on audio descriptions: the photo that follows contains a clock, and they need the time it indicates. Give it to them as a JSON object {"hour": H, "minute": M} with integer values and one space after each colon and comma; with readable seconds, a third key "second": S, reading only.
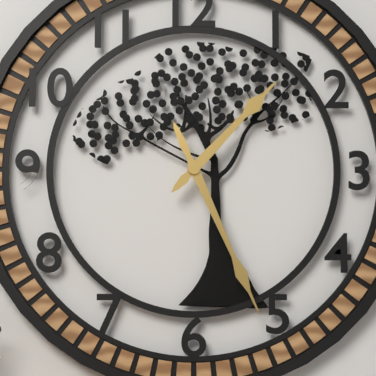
{"hour": 1, "minute": 26}
